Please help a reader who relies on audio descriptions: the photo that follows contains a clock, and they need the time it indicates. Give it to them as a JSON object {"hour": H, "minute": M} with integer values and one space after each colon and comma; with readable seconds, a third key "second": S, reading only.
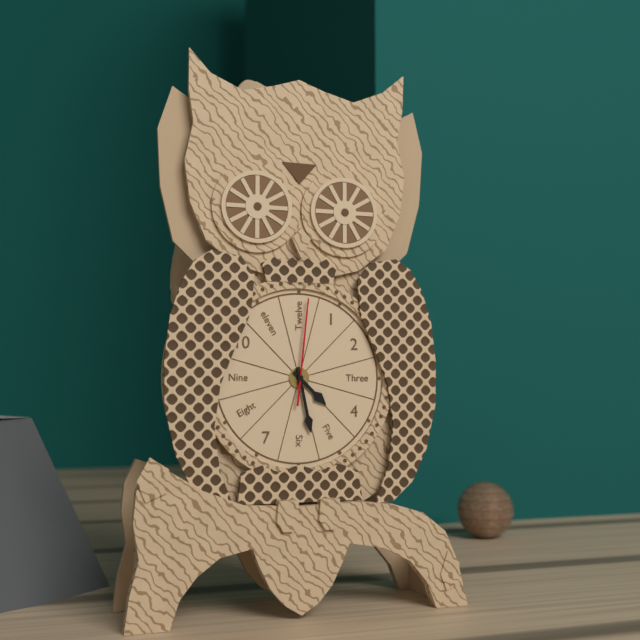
{"hour": 4, "minute": 28, "second": 1}
